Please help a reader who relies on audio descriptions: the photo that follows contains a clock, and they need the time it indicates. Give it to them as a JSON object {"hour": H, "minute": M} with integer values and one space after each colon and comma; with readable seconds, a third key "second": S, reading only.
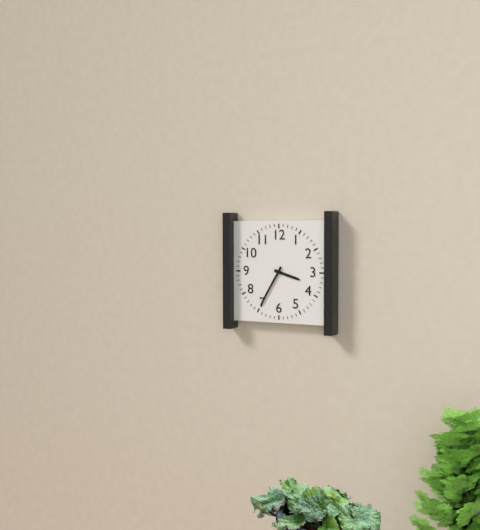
{"hour": 3, "minute": 35}
